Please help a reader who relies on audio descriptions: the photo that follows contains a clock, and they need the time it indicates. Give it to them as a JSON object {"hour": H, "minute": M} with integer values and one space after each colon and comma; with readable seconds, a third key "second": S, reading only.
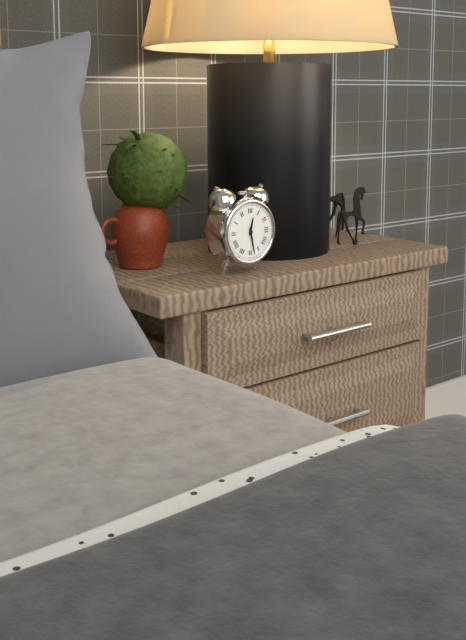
{"hour": 12, "minute": 28}
